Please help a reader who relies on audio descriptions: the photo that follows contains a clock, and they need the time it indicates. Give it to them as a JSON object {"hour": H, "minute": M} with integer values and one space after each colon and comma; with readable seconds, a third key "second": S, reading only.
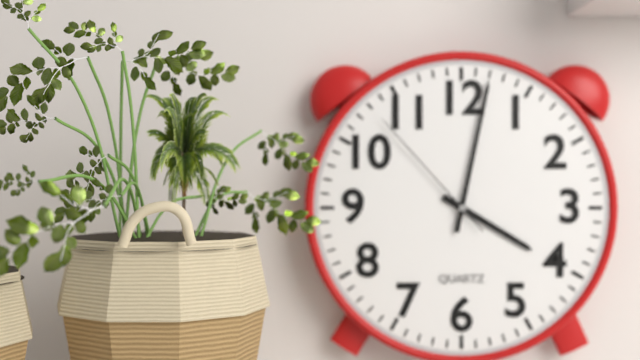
{"hour": 4, "minute": 2, "second": 53}
